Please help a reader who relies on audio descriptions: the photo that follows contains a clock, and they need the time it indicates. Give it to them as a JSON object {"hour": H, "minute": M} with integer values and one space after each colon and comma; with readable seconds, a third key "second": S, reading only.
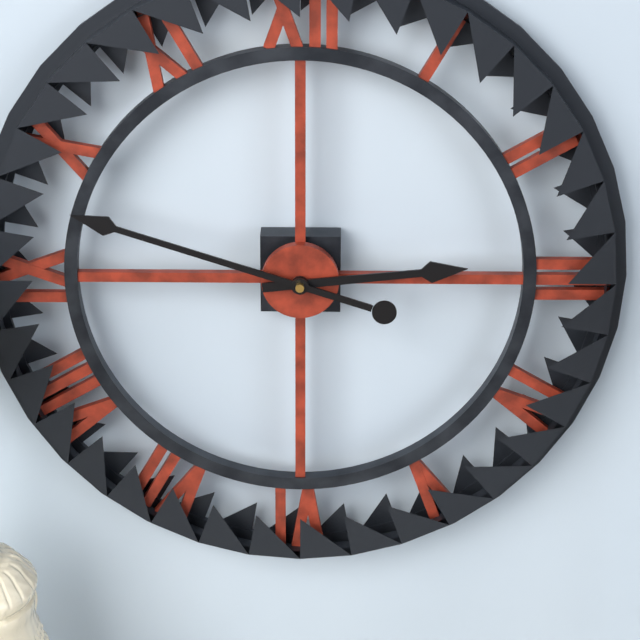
{"hour": 2, "minute": 48}
